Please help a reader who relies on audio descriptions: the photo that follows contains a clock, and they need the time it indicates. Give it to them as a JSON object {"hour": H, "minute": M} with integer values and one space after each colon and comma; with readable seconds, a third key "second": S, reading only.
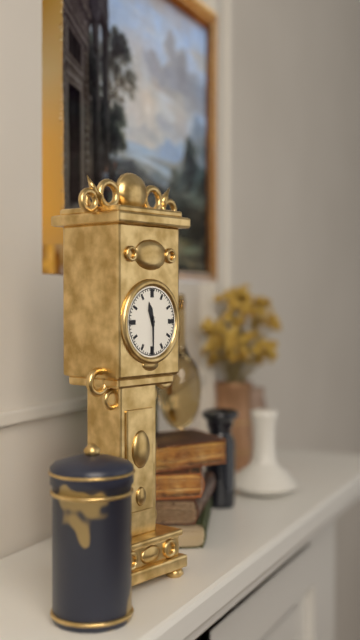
{"hour": 11, "minute": 30}
